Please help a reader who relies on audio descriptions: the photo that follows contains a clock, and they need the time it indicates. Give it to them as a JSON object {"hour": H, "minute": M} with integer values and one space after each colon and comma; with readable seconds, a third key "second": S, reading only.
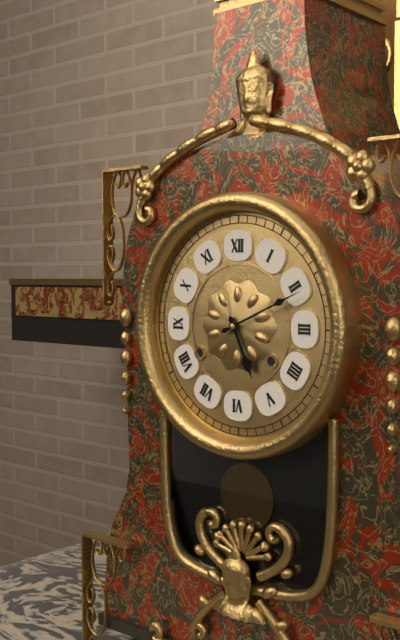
{"hour": 5, "minute": 11}
